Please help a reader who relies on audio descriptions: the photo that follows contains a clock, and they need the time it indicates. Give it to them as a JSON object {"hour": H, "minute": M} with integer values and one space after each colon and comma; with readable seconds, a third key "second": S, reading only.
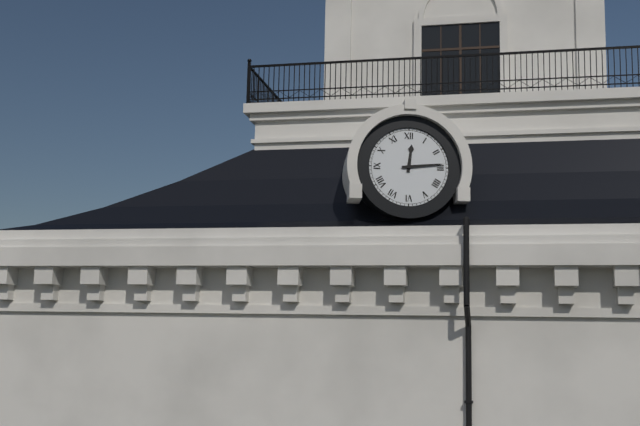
{"hour": 12, "minute": 14}
